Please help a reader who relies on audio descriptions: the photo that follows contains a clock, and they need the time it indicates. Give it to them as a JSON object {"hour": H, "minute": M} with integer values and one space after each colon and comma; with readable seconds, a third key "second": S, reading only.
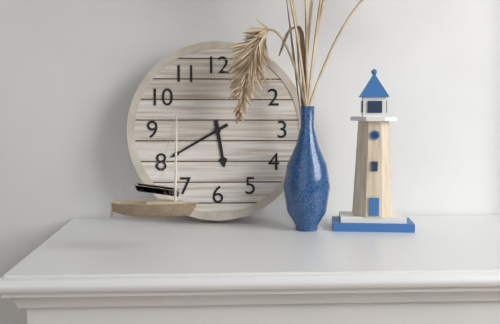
{"hour": 5, "minute": 40}
